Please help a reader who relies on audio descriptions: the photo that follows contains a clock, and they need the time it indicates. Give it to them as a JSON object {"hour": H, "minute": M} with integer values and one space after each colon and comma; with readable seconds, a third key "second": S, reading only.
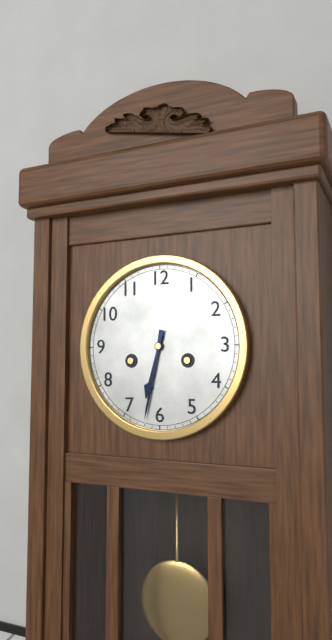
{"hour": 6, "minute": 32}
